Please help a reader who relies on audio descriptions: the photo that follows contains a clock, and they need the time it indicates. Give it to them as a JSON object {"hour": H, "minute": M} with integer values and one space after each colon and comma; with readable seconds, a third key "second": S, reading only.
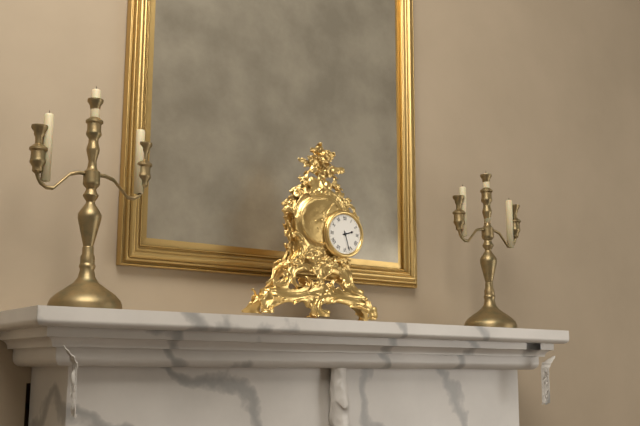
{"hour": 2, "minute": 27}
